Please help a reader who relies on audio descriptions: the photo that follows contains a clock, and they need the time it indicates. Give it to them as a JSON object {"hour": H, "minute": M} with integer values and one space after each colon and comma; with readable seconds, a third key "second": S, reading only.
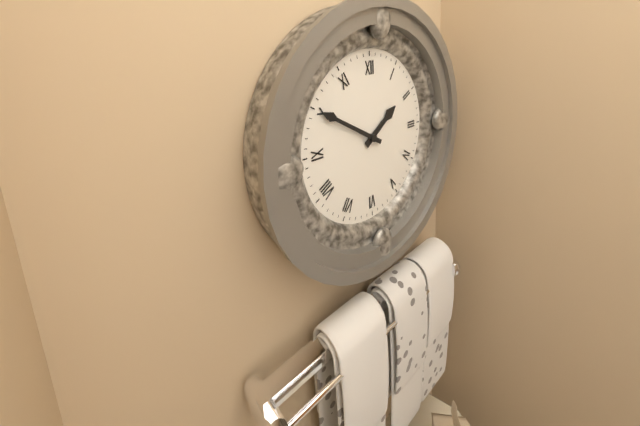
{"hour": 1, "minute": 50}
